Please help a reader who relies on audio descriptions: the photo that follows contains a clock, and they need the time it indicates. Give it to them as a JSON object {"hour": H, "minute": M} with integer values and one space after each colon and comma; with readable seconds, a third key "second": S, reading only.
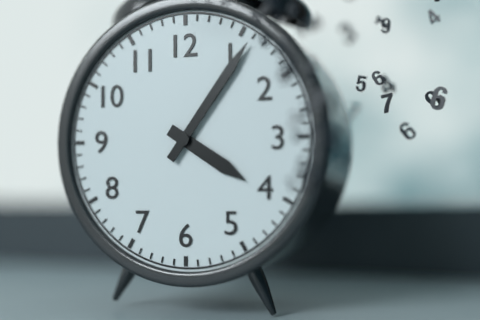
{"hour": 4, "minute": 6}
